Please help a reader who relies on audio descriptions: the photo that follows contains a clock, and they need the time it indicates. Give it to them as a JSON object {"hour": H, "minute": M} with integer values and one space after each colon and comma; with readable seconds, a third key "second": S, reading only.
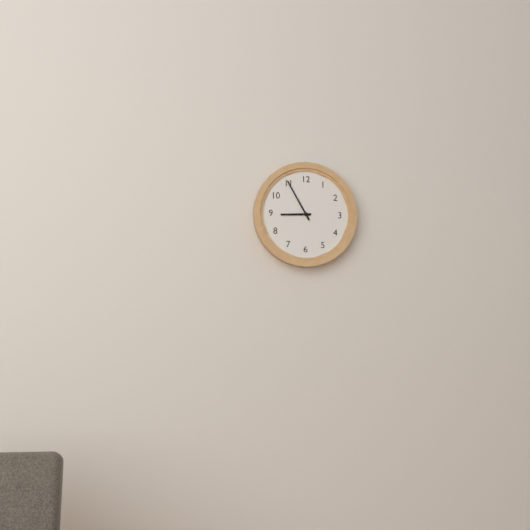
{"hour": 8, "minute": 55}
